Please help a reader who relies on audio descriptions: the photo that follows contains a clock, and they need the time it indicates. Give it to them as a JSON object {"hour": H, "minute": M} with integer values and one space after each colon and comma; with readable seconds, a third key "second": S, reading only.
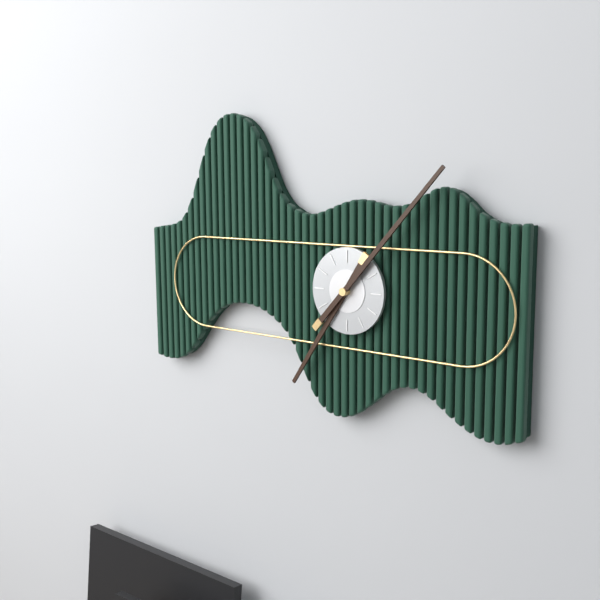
{"hour": 7, "minute": 7}
